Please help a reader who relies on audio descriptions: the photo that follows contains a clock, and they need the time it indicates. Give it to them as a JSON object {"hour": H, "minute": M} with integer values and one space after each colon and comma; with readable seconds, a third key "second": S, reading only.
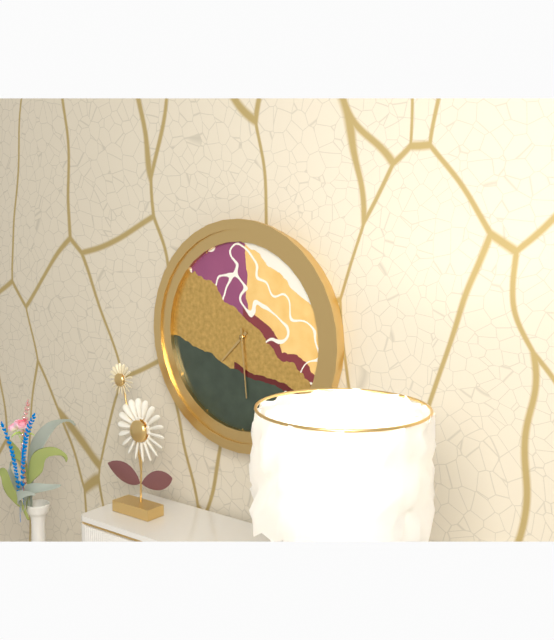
{"hour": 7, "minute": 29}
